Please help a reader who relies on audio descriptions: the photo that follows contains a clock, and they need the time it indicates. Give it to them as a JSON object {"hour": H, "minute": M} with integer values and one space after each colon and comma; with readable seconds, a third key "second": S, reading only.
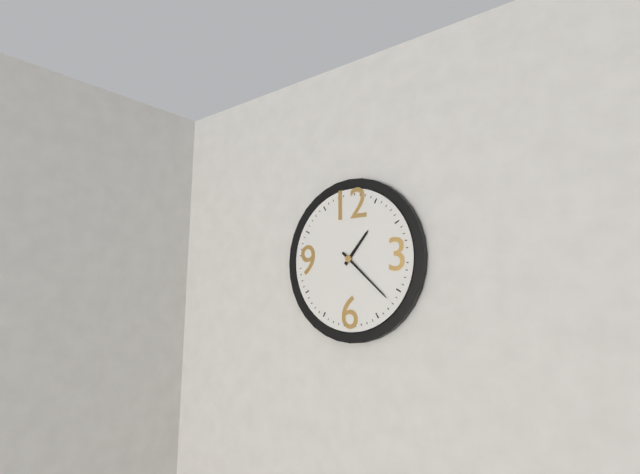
{"hour": 1, "minute": 22}
